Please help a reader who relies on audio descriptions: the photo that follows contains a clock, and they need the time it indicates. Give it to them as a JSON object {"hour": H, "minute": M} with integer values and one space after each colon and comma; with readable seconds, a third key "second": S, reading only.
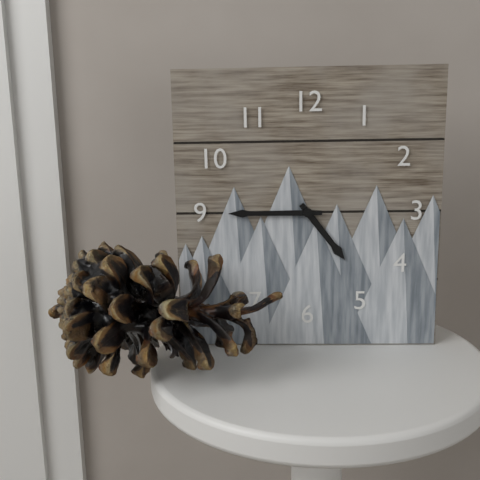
{"hour": 4, "minute": 45}
